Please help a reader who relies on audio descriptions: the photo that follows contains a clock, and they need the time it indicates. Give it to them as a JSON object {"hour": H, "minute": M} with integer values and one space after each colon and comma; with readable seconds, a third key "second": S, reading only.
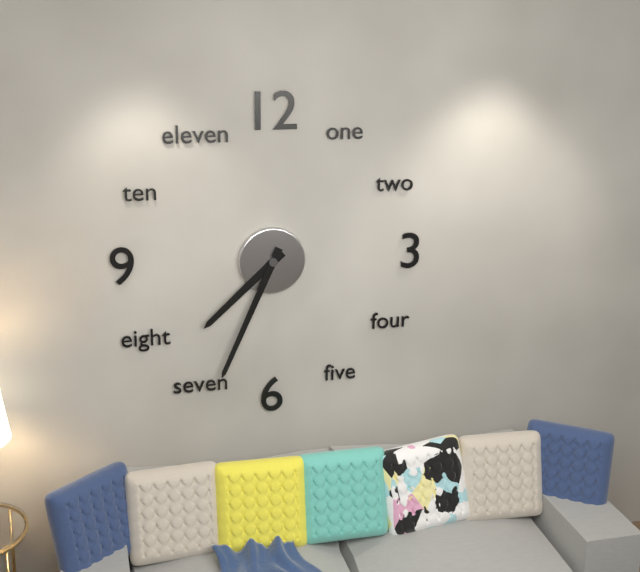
{"hour": 7, "minute": 34}
